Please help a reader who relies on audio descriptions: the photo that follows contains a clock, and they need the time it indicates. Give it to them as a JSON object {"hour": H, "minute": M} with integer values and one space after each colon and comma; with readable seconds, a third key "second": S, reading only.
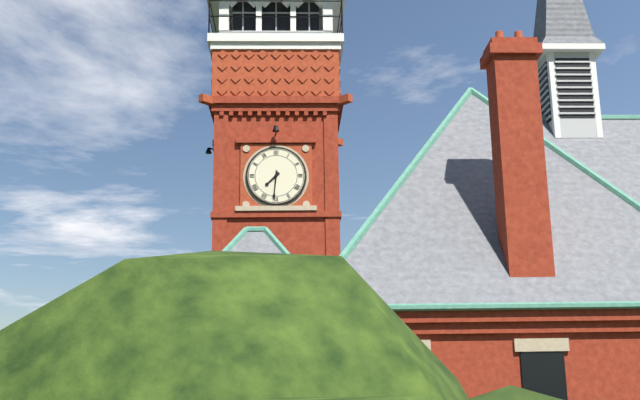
{"hour": 7, "minute": 31}
